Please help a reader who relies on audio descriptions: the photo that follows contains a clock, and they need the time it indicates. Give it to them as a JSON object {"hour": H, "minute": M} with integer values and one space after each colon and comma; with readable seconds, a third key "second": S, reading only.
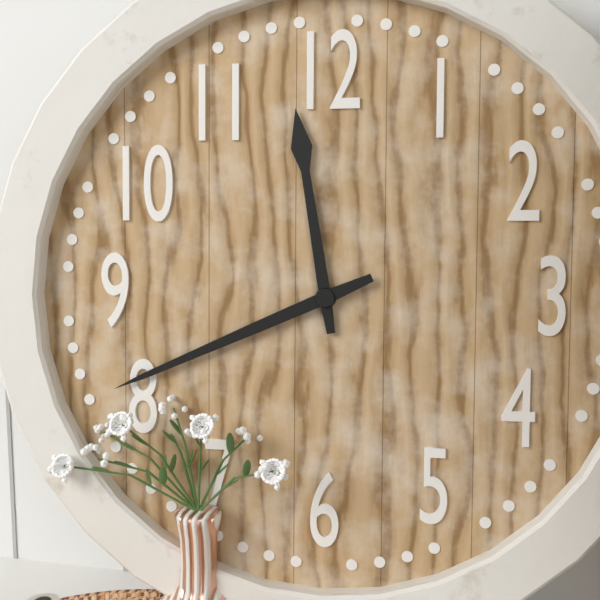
{"hour": 11, "minute": 41}
